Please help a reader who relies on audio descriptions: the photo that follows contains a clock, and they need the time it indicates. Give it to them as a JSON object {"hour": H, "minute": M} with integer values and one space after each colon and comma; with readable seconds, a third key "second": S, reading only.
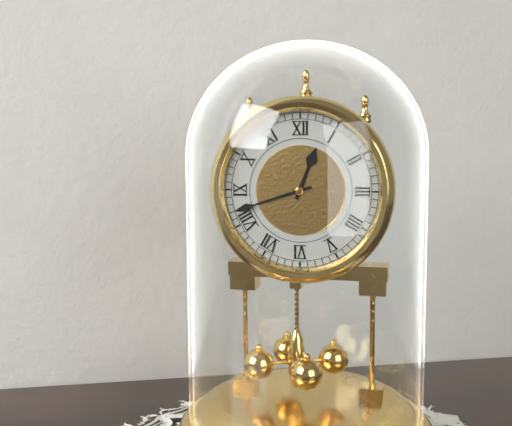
{"hour": 12, "minute": 42}
